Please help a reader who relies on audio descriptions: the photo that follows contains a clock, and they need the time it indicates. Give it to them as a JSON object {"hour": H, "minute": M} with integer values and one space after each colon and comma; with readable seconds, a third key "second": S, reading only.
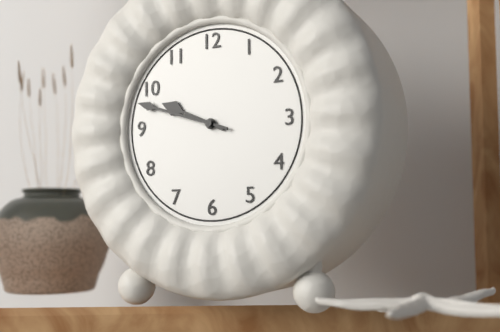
{"hour": 9, "minute": 48}
